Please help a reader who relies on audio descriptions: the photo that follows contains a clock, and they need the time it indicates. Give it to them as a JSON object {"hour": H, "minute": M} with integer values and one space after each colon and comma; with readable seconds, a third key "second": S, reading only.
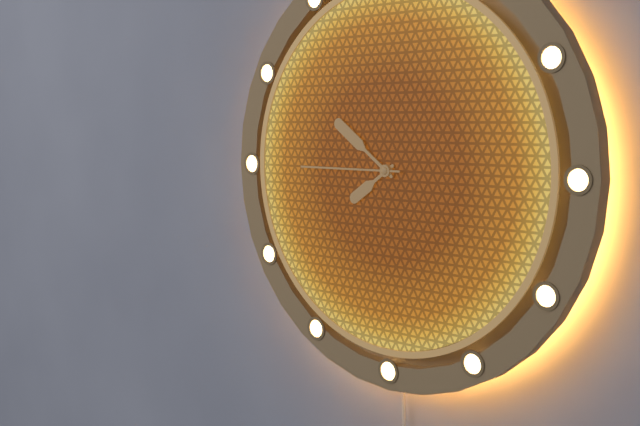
{"hour": 7, "minute": 51, "second": 45}
